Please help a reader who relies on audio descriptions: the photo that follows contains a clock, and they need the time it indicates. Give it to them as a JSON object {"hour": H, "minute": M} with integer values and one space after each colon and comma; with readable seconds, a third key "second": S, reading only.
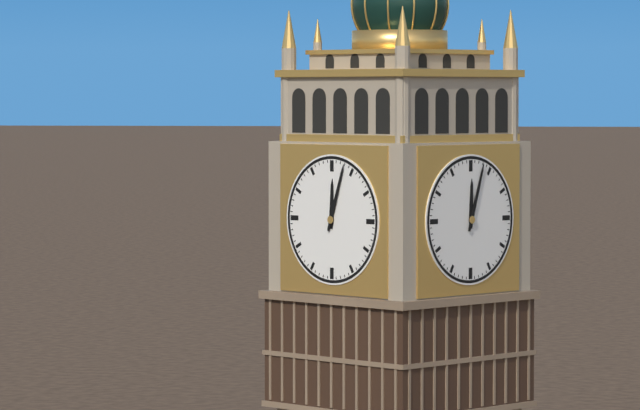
{"hour": 12, "minute": 3}
